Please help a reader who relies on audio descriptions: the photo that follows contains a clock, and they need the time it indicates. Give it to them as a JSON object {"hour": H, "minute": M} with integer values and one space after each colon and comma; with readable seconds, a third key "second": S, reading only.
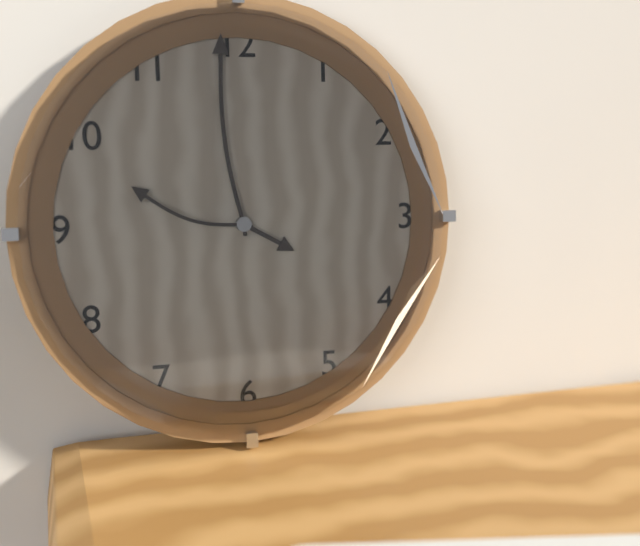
{"hour": 3, "minute": 59, "second": 48}
